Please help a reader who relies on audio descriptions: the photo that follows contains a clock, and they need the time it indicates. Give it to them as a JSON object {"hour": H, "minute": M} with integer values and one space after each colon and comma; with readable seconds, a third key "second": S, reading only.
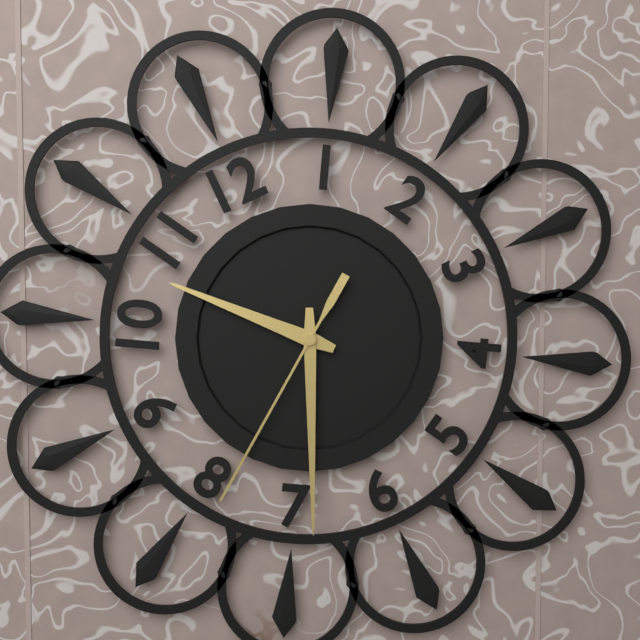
{"hour": 10, "minute": 34, "second": 39}
